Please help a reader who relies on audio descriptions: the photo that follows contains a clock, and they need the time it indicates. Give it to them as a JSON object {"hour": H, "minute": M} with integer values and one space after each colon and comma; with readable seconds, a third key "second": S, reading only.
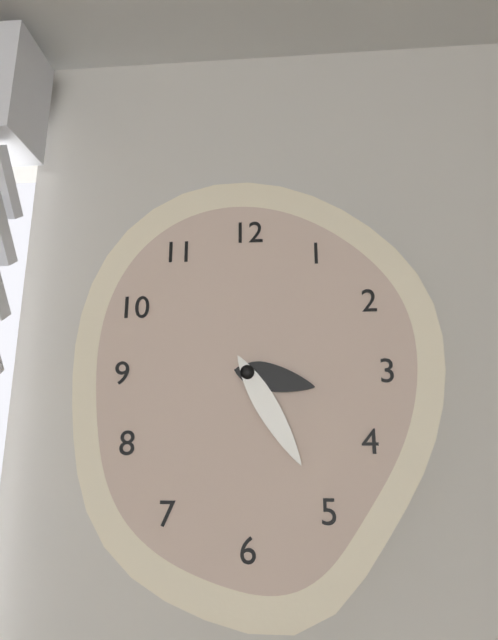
{"hour": 3, "minute": 25}
